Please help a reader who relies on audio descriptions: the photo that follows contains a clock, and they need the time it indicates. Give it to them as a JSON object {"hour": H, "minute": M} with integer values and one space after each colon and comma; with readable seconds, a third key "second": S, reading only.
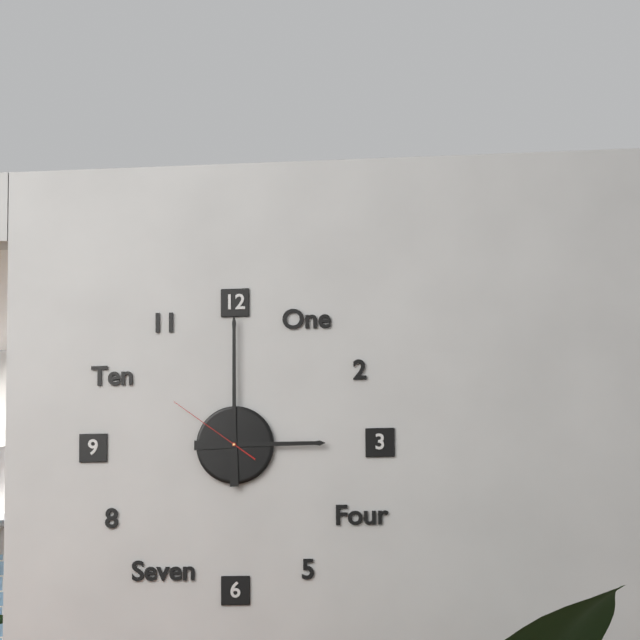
{"hour": 3, "minute": 0, "second": 51}
